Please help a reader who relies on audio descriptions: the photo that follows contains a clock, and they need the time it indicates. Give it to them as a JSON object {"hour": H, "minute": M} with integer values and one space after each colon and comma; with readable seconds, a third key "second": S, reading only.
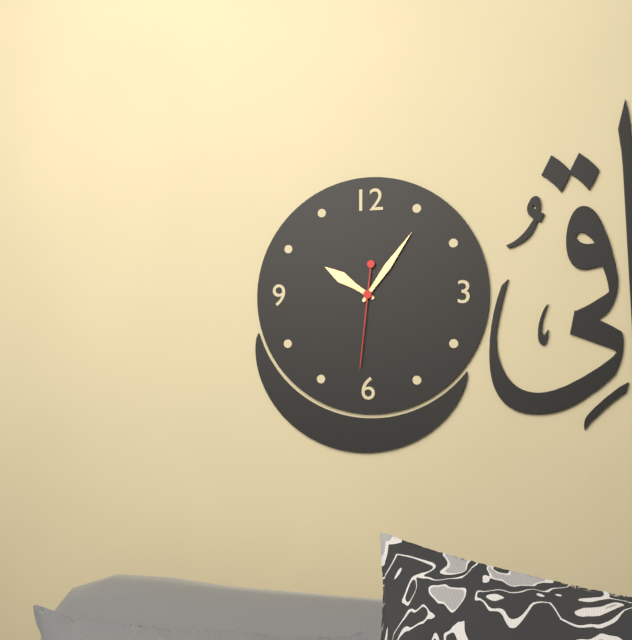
{"hour": 10, "minute": 6, "second": 31}
